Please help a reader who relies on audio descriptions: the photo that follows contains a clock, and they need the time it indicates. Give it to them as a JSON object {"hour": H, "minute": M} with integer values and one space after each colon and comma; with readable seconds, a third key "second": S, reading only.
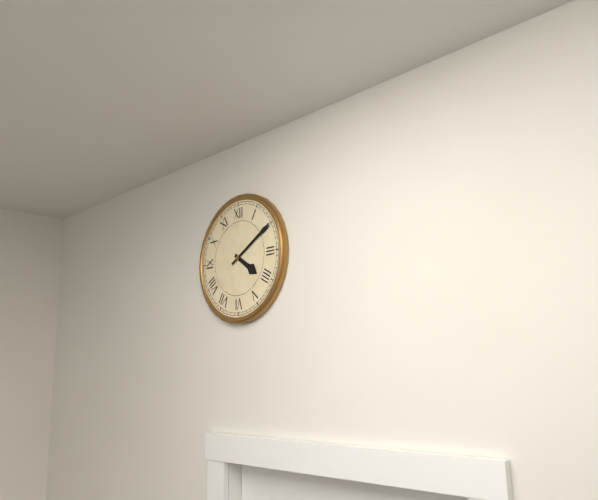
{"hour": 4, "minute": 10}
